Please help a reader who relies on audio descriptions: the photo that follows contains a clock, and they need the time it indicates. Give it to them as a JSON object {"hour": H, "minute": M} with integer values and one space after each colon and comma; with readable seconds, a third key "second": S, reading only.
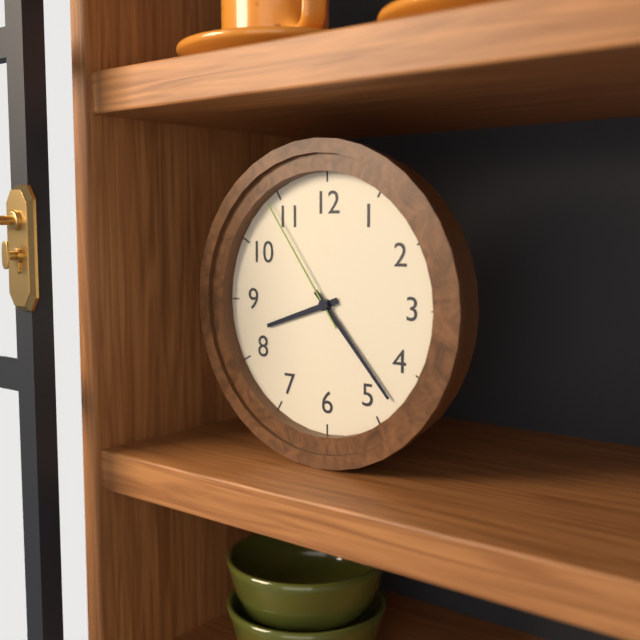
{"hour": 8, "minute": 23, "second": 54}
